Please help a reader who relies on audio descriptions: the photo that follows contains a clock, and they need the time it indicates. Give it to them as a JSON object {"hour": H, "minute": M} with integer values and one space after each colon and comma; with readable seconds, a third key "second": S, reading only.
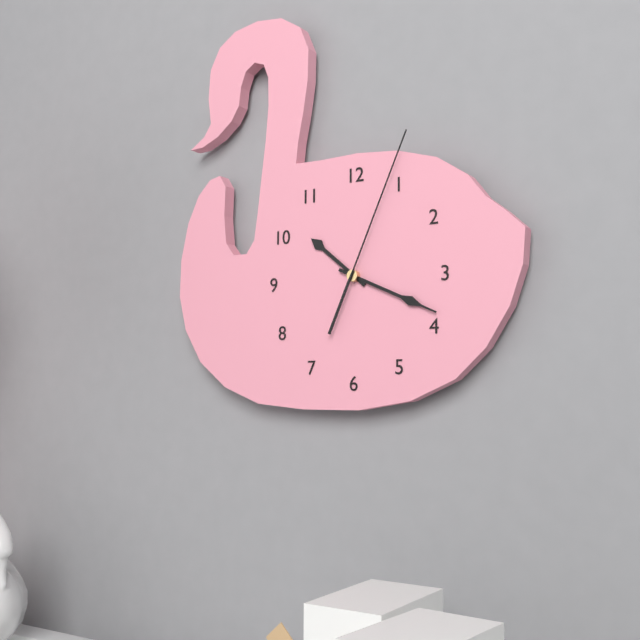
{"hour": 10, "minute": 19, "second": 4}
